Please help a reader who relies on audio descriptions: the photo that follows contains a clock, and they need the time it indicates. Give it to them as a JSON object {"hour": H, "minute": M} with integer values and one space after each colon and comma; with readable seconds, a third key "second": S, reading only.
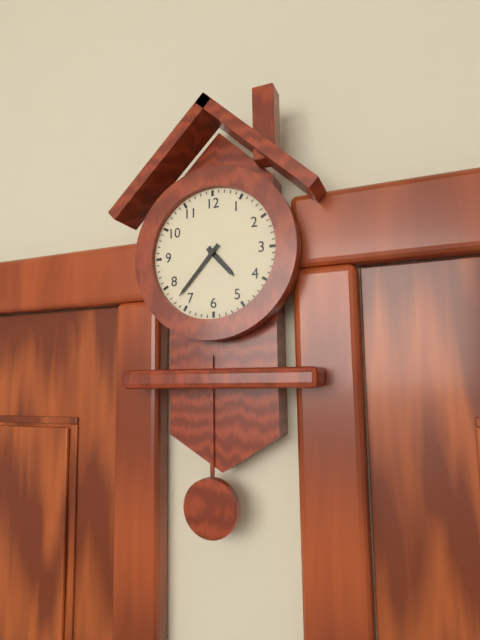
{"hour": 4, "minute": 37}
